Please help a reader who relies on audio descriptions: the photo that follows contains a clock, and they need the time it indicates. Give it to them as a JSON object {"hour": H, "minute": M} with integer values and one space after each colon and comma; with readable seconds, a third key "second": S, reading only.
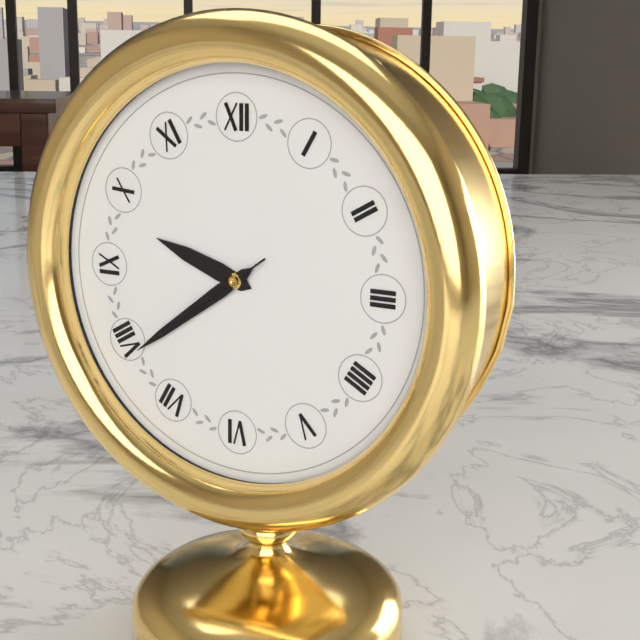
{"hour": 9, "minute": 39, "second": 39}
